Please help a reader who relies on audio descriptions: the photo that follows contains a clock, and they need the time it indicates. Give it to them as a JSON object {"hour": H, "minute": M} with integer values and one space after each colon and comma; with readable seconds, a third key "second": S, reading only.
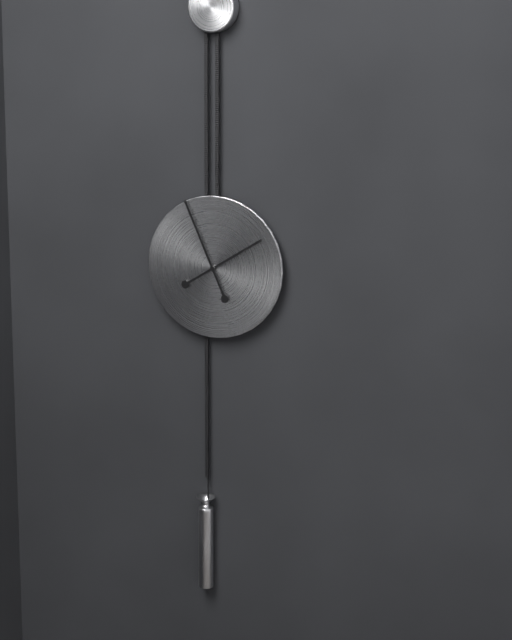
{"hour": 1, "minute": 56}
